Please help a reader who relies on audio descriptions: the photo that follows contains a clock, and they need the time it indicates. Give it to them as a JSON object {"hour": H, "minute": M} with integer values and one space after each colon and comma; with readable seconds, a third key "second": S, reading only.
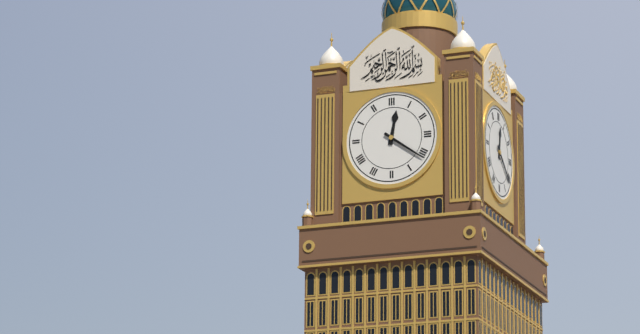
{"hour": 12, "minute": 21}
